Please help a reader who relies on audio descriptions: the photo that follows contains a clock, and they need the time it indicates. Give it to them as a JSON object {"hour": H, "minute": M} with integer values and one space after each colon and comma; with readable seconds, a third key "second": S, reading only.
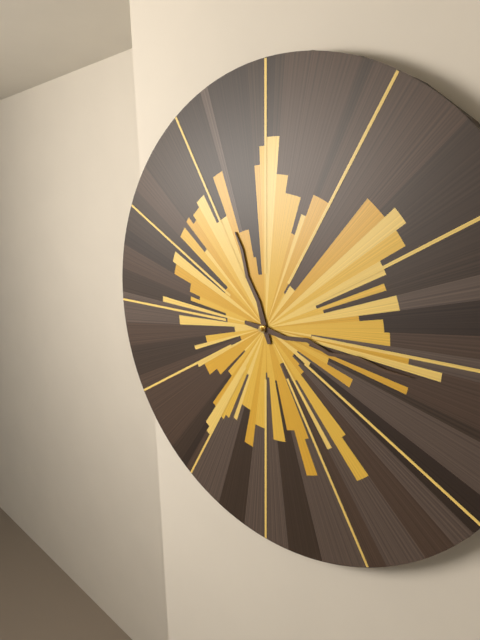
{"hour": 11, "minute": 16}
